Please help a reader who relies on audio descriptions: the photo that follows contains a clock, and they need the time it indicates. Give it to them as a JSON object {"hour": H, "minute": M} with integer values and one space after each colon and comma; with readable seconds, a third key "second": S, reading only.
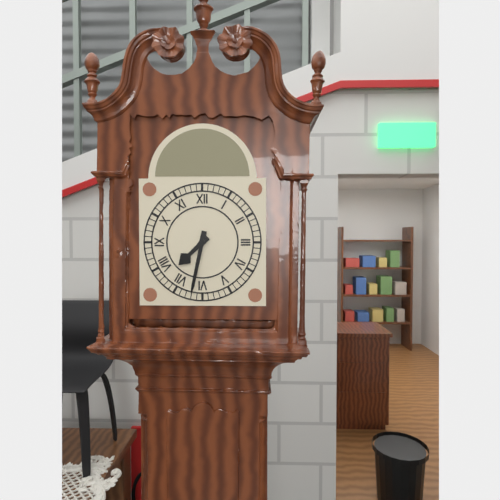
{"hour": 7, "minute": 32}
